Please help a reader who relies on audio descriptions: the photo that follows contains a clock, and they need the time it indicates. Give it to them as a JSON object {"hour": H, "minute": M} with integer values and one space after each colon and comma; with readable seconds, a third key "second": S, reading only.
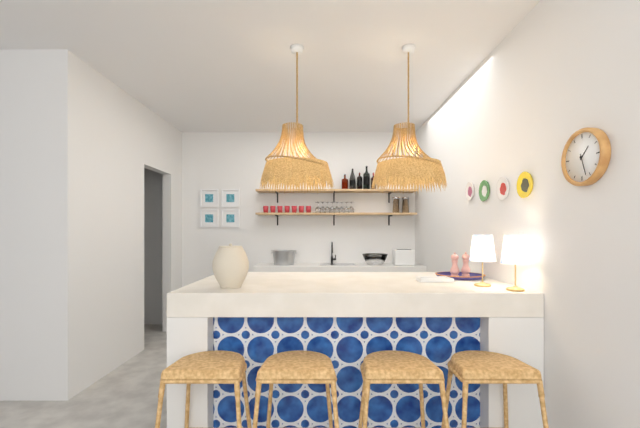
{"hour": 1, "minute": 27}
